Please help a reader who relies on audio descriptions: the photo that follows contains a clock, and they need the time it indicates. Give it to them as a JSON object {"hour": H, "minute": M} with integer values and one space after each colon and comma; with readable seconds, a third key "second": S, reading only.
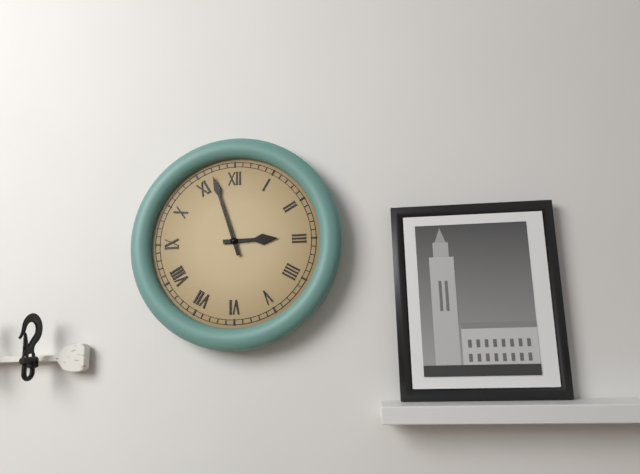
{"hour": 2, "minute": 57}
